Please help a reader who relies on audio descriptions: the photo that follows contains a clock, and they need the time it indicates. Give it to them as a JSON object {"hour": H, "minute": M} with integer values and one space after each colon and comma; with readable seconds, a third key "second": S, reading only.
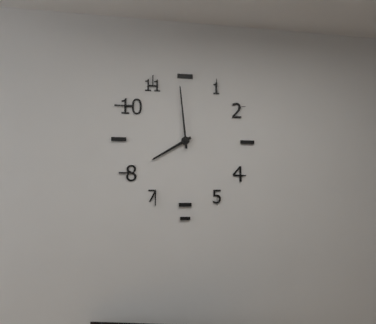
{"hour": 7, "minute": 59}
